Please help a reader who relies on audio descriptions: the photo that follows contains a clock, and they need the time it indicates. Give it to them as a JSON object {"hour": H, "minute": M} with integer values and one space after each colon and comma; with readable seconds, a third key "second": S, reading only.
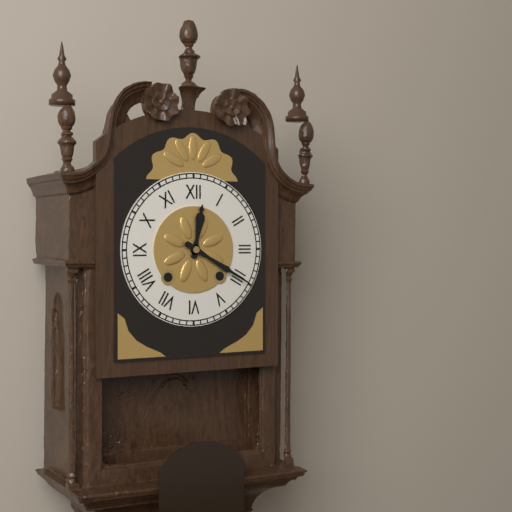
{"hour": 12, "minute": 20}
